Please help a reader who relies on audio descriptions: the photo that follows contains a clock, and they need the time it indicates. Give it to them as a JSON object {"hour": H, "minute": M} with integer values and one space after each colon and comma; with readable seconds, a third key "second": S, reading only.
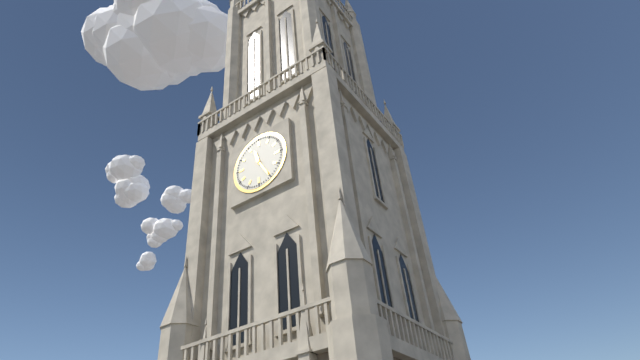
{"hour": 11, "minute": 25}
